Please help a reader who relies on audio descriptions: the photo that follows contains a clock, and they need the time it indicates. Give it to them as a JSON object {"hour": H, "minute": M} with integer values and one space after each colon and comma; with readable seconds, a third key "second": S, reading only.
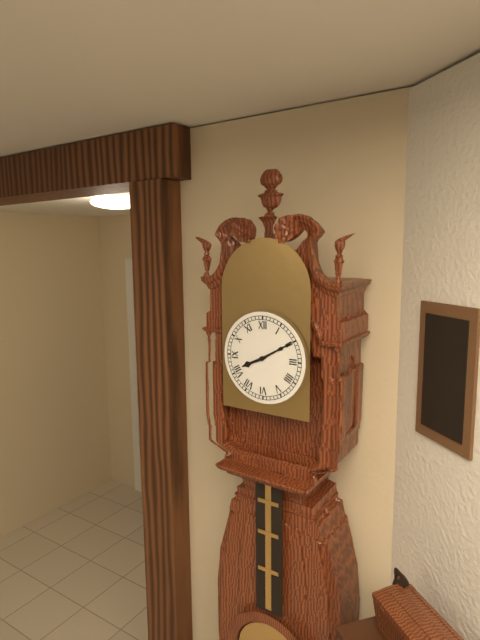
{"hour": 8, "minute": 10}
